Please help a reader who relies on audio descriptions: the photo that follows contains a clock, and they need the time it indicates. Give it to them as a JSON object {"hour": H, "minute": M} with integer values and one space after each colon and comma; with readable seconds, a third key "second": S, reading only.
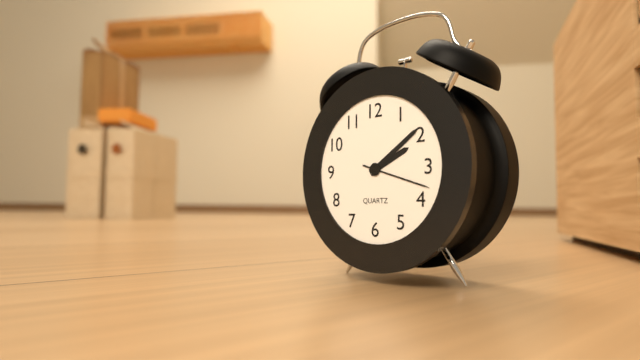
{"hour": 2, "minute": 9, "second": 18}
